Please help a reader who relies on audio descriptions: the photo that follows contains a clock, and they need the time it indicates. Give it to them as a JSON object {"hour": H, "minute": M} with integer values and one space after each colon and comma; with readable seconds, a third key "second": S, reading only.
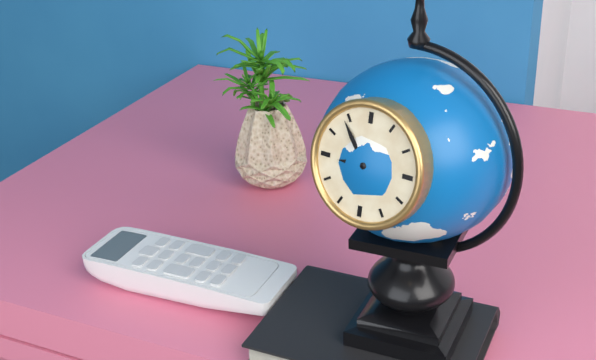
{"hour": 8, "minute": 54}
